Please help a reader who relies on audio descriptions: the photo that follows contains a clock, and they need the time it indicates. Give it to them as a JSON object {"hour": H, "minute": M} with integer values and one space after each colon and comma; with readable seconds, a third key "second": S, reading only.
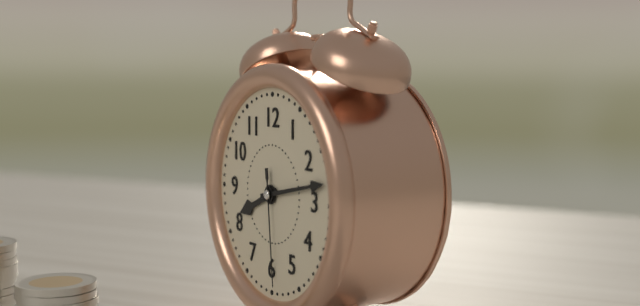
{"hour": 8, "minute": 13, "second": 29}
